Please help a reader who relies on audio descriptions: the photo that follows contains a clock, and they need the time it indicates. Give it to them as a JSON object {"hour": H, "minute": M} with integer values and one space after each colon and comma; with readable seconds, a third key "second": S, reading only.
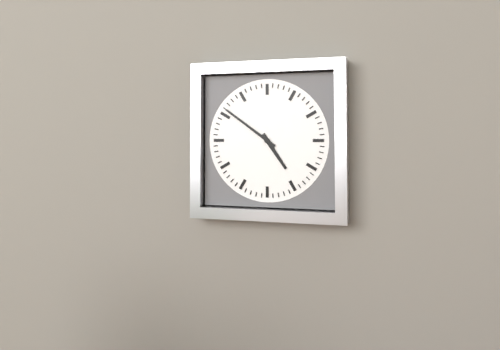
{"hour": 4, "minute": 51}
